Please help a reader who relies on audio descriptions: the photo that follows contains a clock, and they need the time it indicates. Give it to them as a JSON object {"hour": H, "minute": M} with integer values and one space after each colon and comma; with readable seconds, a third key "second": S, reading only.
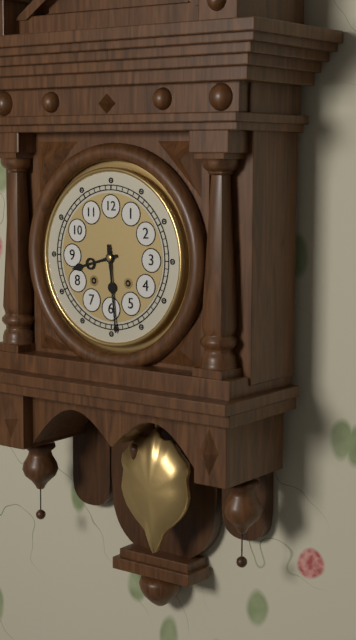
{"hour": 8, "minute": 29}
